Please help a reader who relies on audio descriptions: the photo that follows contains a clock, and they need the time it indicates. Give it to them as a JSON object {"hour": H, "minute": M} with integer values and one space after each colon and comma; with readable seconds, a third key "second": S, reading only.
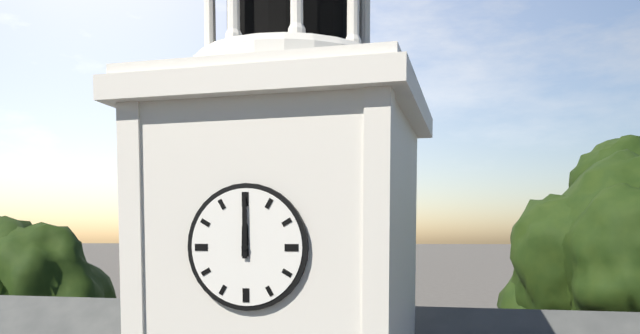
{"hour": 12, "minute": 0}
